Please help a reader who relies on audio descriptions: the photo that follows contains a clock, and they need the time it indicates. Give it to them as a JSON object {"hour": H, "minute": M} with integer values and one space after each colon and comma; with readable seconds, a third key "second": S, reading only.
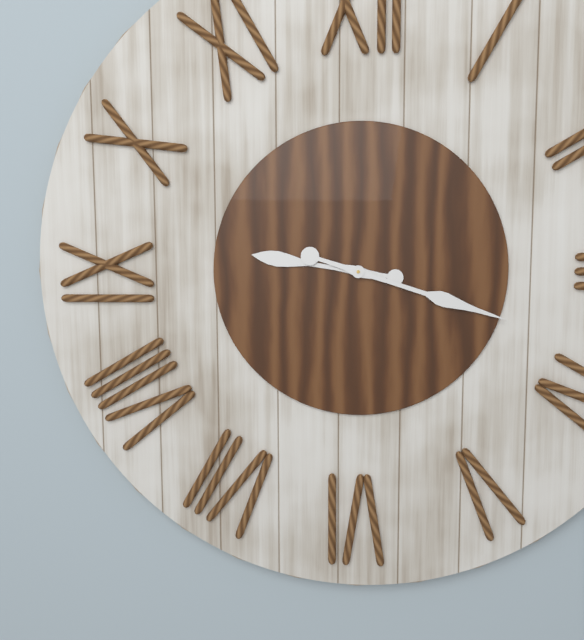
{"hour": 9, "minute": 18}
